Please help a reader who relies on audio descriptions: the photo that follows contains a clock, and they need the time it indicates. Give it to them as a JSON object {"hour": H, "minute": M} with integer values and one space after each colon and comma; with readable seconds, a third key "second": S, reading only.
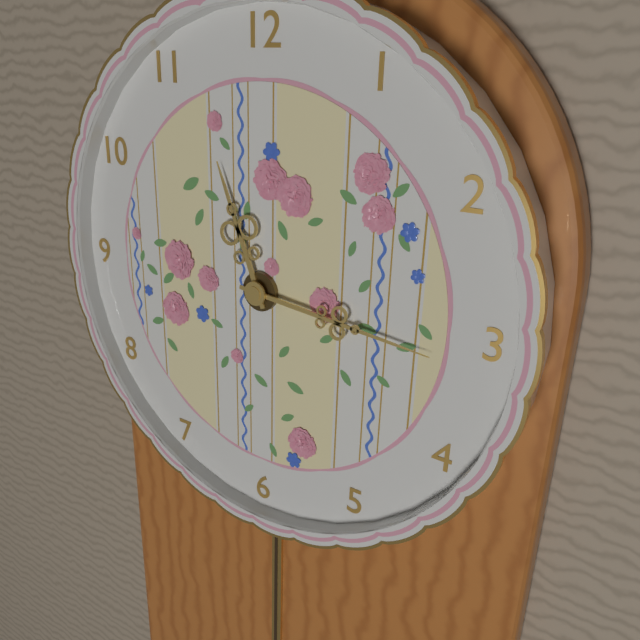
{"hour": 11, "minute": 16}
